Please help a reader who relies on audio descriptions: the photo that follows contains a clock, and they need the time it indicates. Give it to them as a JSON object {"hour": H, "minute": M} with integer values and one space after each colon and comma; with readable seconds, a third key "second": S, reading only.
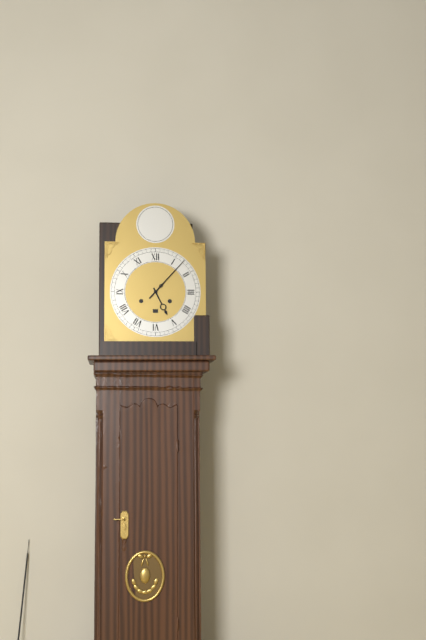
{"hour": 5, "minute": 7}
